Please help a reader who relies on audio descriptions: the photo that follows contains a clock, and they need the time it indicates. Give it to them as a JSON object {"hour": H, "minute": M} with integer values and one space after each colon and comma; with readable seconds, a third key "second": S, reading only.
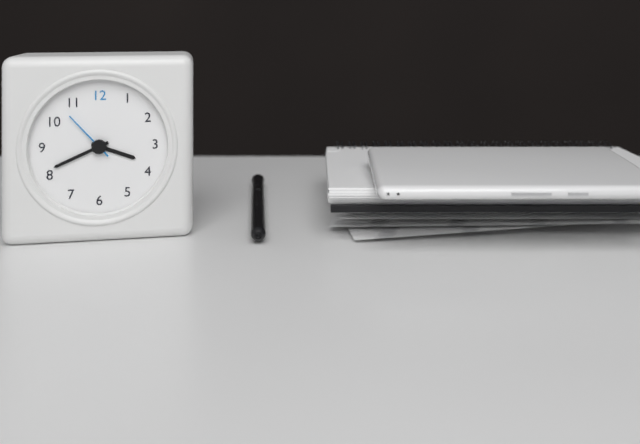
{"hour": 3, "minute": 41, "second": 53}
